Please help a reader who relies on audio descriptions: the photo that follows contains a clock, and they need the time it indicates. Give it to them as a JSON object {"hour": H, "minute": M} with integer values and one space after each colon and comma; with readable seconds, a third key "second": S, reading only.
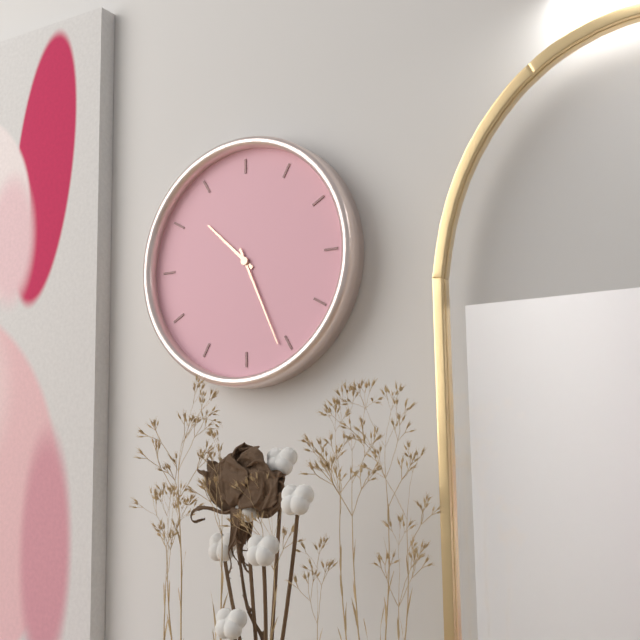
{"hour": 10, "minute": 26}
